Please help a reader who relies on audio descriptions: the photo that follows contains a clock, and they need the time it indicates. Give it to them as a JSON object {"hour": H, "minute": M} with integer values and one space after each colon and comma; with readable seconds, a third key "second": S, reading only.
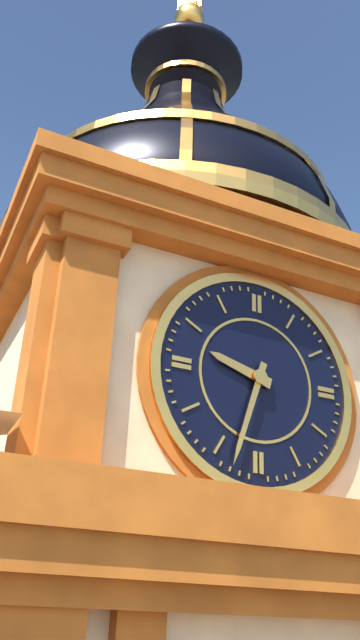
{"hour": 9, "minute": 33}
